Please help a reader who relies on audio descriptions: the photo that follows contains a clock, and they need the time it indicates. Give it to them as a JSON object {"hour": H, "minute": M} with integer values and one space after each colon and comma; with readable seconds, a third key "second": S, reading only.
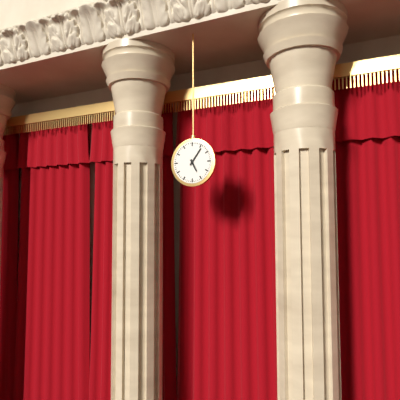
{"hour": 5, "minute": 6}
